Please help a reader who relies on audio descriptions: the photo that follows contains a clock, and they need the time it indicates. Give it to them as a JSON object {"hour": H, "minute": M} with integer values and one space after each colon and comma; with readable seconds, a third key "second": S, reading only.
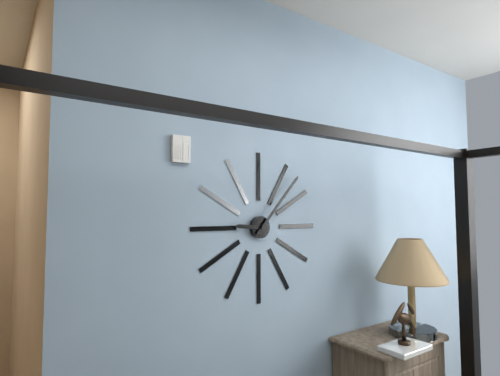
{"hour": 9, "minute": 7}
